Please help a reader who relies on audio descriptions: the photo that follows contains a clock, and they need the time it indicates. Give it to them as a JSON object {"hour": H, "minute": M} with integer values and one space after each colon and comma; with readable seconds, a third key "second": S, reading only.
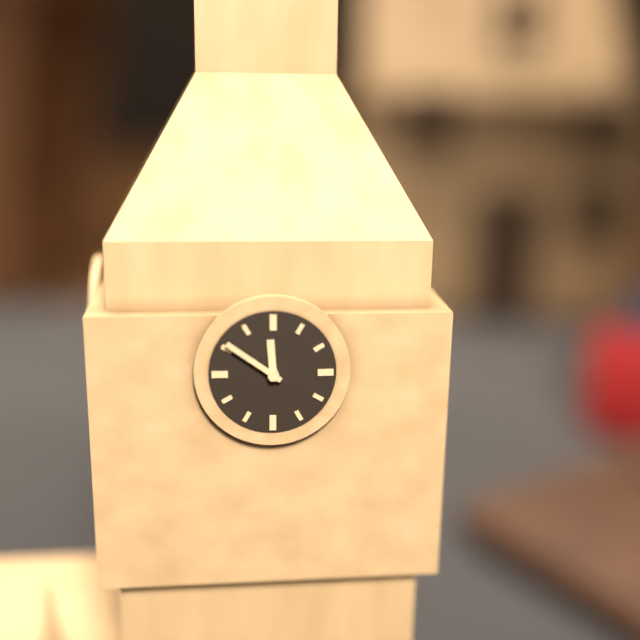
{"hour": 11, "minute": 51}
